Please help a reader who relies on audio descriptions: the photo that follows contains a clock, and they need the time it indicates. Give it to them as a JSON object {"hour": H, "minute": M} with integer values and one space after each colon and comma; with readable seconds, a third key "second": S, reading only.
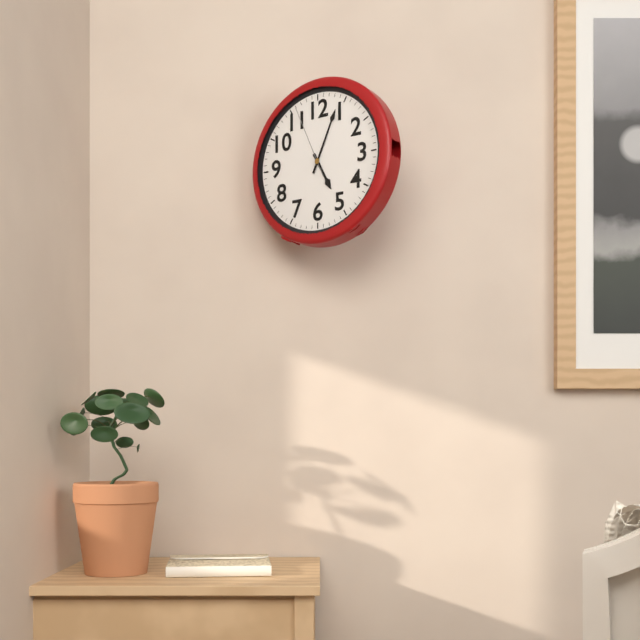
{"hour": 5, "minute": 4, "second": 56}
